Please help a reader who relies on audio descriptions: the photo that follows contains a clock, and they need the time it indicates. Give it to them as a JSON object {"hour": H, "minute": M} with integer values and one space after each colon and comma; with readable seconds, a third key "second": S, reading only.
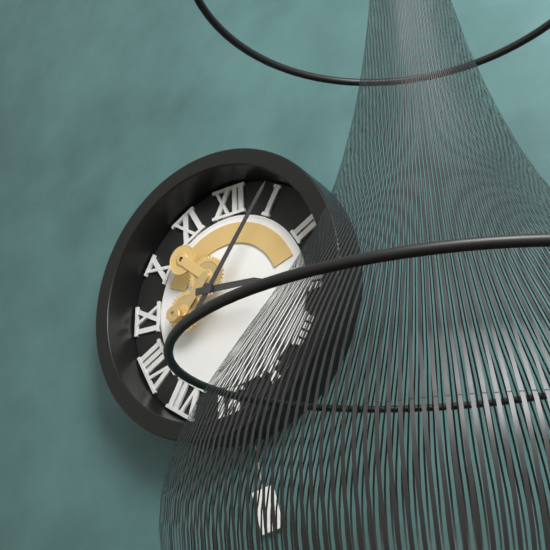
{"hour": 3, "minute": 6}
